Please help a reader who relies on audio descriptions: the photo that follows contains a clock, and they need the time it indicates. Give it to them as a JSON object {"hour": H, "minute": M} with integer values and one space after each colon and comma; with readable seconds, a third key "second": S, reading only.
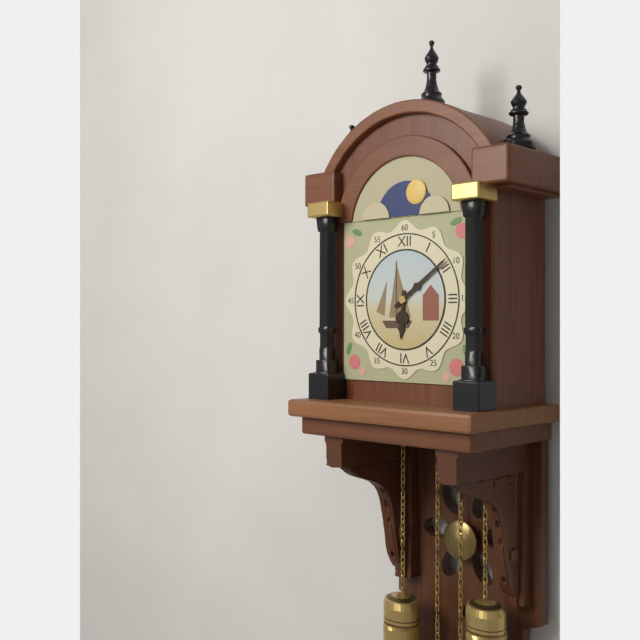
{"hour": 6, "minute": 9}
